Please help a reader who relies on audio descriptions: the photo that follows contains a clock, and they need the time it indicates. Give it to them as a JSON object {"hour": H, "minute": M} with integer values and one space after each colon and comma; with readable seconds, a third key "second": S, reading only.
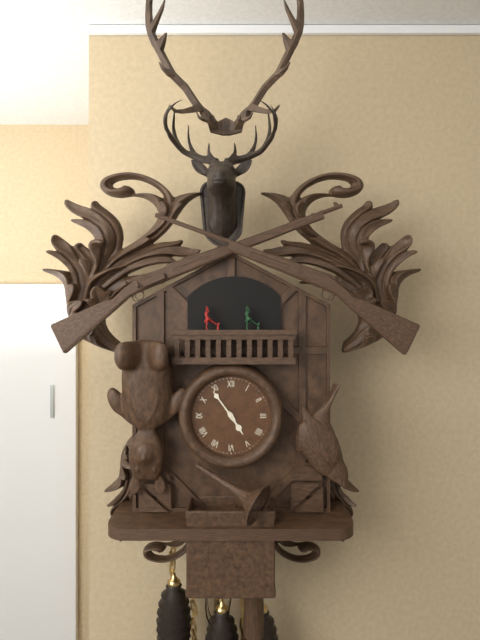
{"hour": 4, "minute": 54}
